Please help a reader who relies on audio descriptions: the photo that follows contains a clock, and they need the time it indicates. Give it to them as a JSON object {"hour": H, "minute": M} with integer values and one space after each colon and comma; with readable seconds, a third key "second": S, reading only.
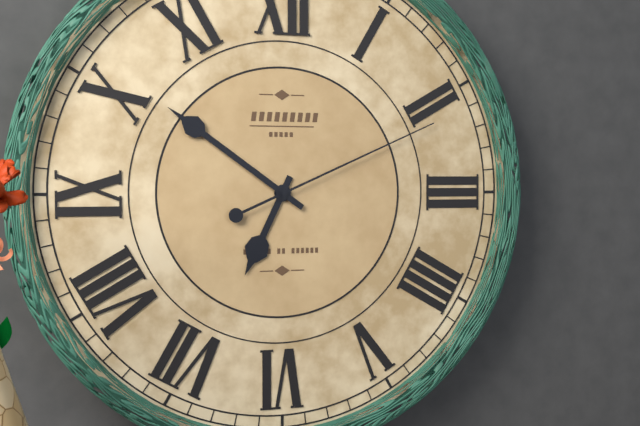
{"hour": 6, "minute": 51, "second": 11}
